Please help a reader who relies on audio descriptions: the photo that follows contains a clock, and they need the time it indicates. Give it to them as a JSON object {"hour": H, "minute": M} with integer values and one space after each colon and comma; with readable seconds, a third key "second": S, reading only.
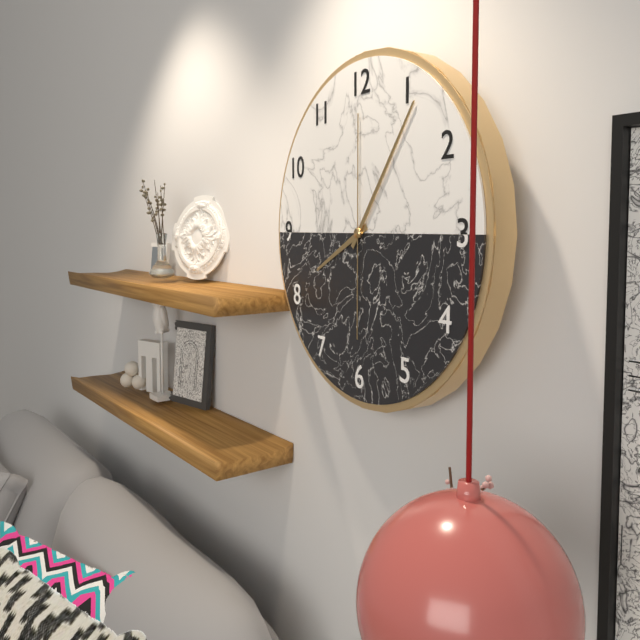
{"hour": 8, "minute": 6, "second": 0}
